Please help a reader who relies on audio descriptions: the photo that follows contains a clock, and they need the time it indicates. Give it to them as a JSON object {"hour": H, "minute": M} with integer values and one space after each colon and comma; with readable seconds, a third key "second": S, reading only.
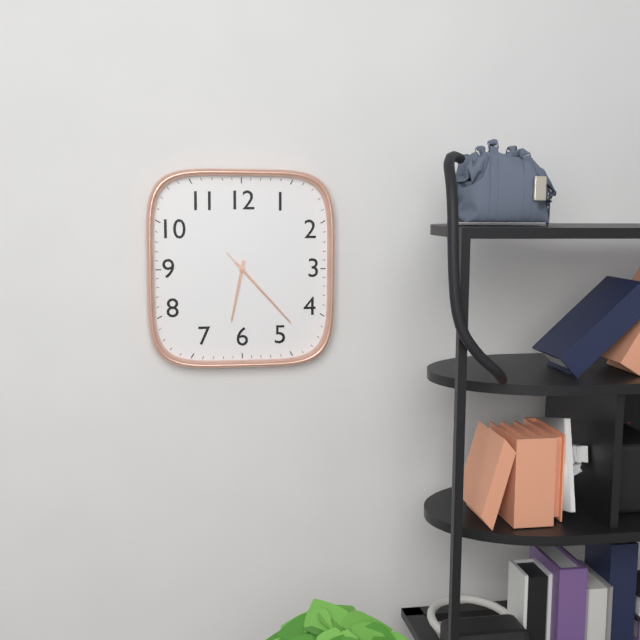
{"hour": 6, "minute": 23, "second": 23}
